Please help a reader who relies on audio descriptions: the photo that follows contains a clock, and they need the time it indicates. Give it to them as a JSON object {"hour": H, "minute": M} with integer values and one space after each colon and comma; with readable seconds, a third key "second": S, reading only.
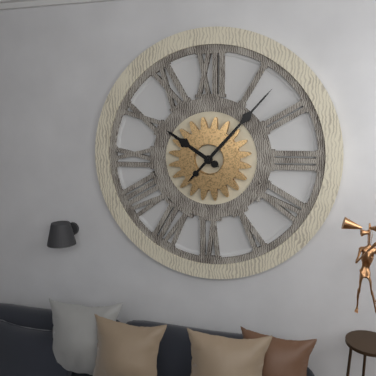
{"hour": 10, "minute": 7}
